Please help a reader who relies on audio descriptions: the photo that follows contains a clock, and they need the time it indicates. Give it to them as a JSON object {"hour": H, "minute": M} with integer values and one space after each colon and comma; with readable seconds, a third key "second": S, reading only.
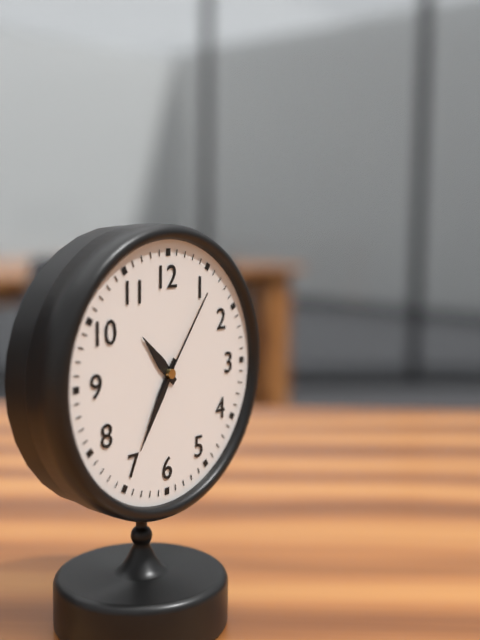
{"hour": 10, "minute": 35, "second": 6}
